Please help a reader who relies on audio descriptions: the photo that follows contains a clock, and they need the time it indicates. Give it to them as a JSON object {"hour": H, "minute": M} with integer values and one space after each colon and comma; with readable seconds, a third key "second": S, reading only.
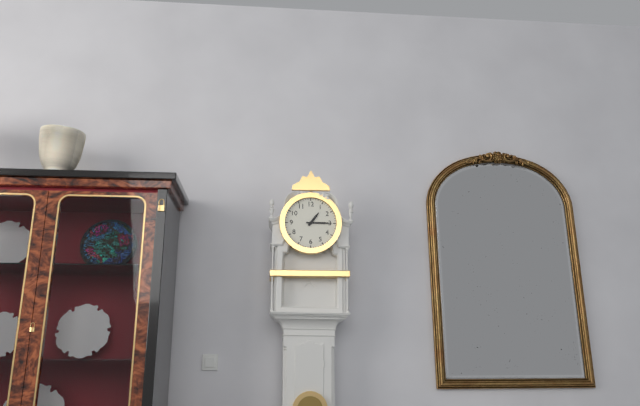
{"hour": 1, "minute": 15}
